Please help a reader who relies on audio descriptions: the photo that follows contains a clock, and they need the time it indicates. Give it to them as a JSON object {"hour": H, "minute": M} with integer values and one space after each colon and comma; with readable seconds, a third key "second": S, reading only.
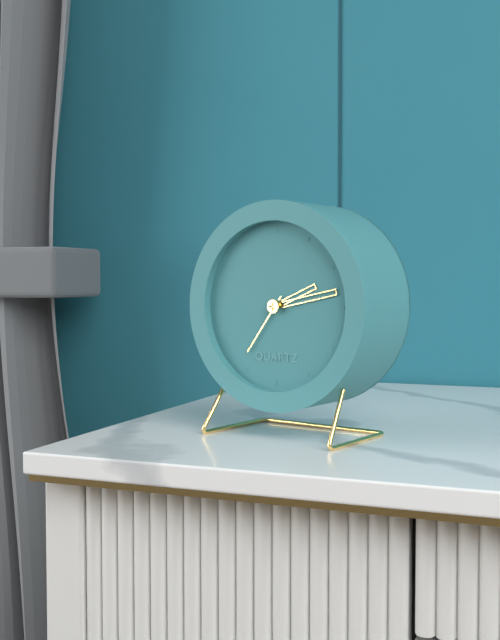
{"hour": 2, "minute": 13, "second": 36}
